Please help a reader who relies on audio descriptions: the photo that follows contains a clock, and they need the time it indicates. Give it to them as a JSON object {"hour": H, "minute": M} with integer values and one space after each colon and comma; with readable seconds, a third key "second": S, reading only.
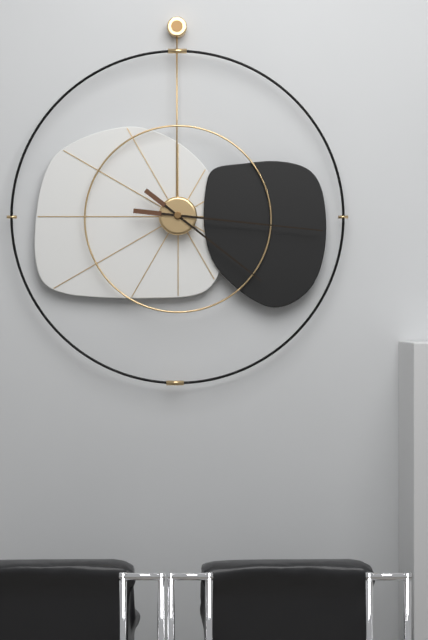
{"hour": 4, "minute": 16}
